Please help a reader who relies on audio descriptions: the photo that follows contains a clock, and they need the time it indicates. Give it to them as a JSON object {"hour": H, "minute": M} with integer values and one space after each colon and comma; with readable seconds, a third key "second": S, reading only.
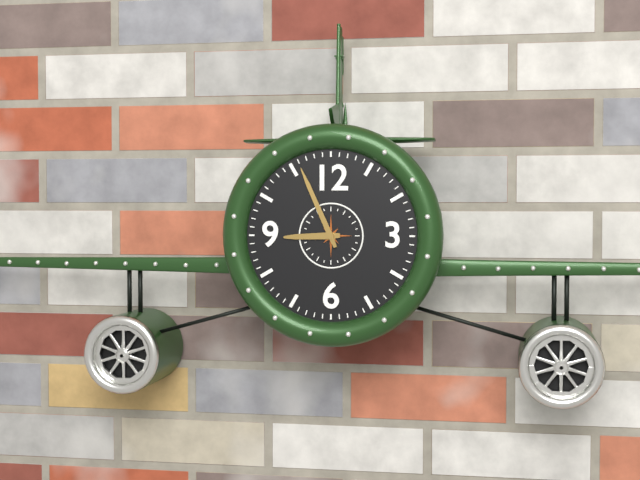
{"hour": 8, "minute": 56}
